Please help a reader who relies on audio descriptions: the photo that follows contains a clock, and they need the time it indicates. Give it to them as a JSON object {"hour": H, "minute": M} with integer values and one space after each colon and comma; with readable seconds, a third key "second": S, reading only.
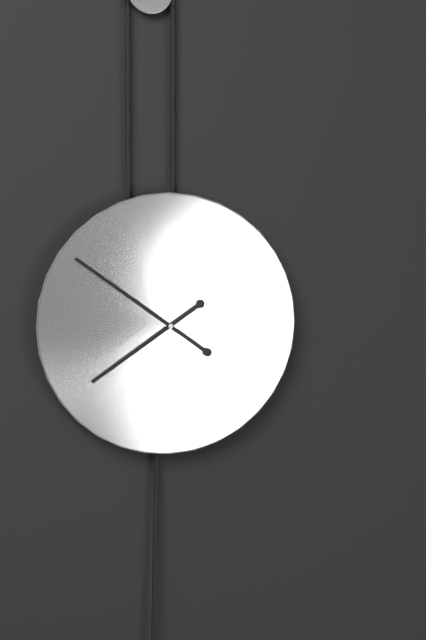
{"hour": 7, "minute": 51}
